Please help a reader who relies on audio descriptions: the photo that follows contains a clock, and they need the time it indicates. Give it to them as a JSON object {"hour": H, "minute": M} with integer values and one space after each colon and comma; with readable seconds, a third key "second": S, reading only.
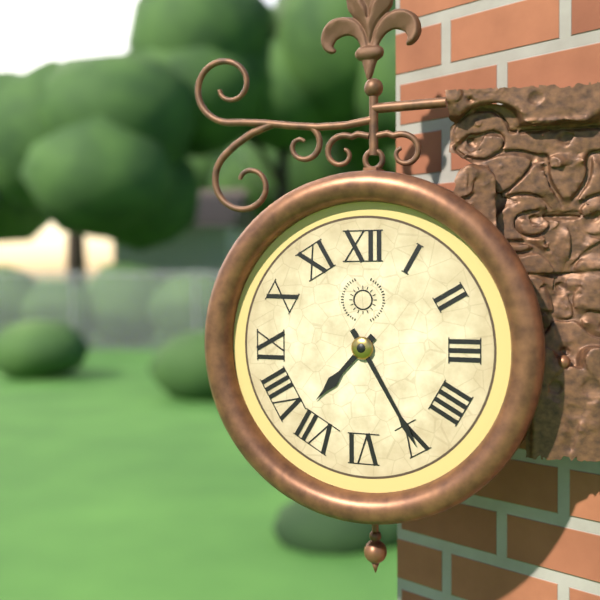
{"hour": 7, "minute": 25}
